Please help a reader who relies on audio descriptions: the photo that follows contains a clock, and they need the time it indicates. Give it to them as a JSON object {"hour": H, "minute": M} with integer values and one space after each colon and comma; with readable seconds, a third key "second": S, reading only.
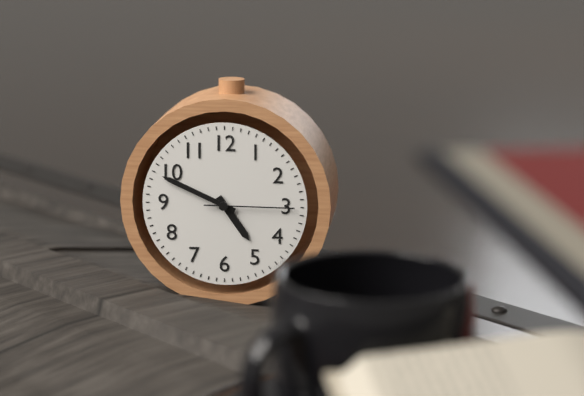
{"hour": 4, "minute": 49, "second": 15}
